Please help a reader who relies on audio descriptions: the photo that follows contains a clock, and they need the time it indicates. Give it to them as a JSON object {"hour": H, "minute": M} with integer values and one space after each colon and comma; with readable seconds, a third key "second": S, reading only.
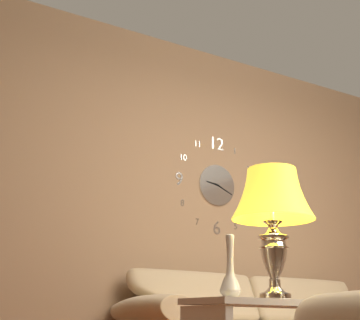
{"hour": 9, "minute": 19}
